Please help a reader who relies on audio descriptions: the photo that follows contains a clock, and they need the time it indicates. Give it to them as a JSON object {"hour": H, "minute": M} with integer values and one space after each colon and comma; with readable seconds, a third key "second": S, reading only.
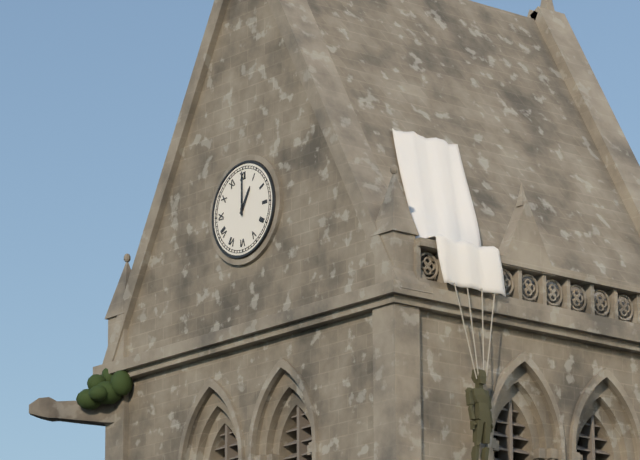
{"hour": 1, "minute": 0}
